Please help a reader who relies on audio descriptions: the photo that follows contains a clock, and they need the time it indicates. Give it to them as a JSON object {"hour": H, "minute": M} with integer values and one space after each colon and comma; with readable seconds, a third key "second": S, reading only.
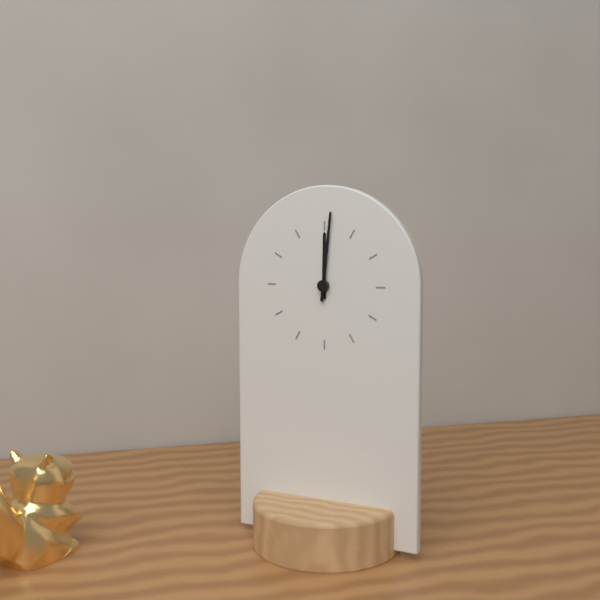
{"hour": 12, "minute": 1}
